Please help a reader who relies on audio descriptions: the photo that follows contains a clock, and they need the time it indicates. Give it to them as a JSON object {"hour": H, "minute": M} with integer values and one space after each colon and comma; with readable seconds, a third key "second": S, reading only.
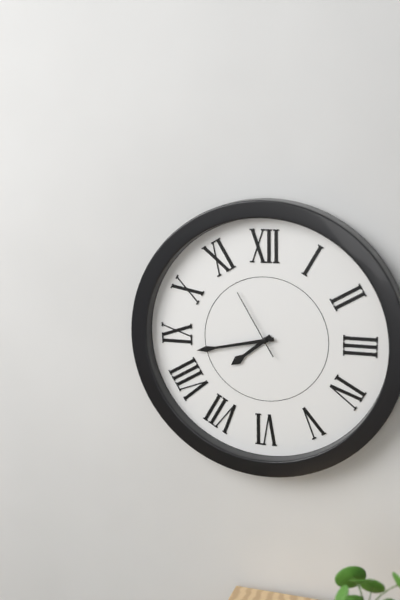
{"hour": 7, "minute": 43, "second": 55}
